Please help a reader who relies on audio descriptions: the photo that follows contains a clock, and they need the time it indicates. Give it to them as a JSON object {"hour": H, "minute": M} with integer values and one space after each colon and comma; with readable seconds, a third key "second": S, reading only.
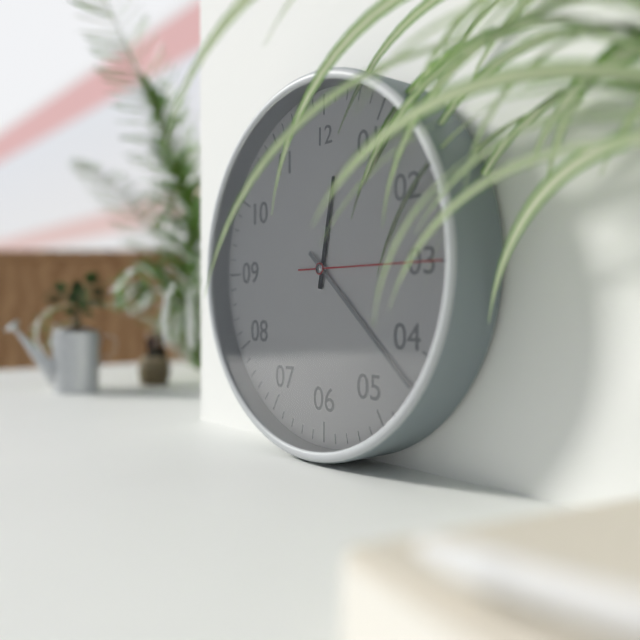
{"hour": 12, "minute": 22, "second": 15}
